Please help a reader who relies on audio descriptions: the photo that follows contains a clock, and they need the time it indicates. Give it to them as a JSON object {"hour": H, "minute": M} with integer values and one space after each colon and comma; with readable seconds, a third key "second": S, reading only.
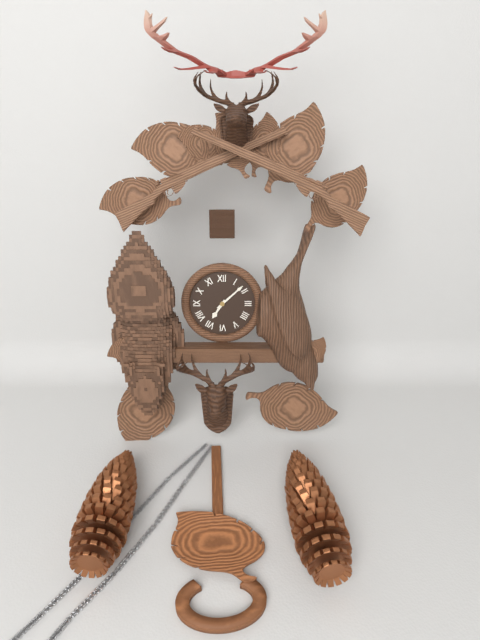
{"hour": 7, "minute": 8}
